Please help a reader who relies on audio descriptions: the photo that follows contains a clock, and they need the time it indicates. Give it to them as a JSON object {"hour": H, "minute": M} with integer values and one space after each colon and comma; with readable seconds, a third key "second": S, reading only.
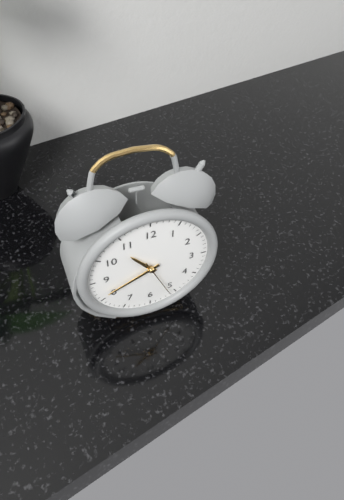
{"hour": 10, "minute": 41}
